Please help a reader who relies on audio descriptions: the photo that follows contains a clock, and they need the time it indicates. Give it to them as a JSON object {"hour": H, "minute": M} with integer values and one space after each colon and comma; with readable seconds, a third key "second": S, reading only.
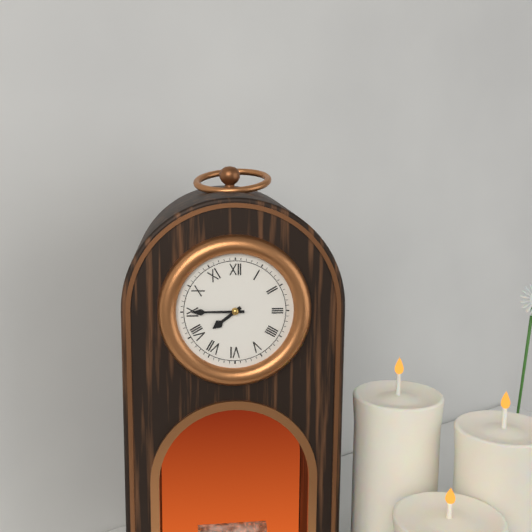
{"hour": 7, "minute": 45}
